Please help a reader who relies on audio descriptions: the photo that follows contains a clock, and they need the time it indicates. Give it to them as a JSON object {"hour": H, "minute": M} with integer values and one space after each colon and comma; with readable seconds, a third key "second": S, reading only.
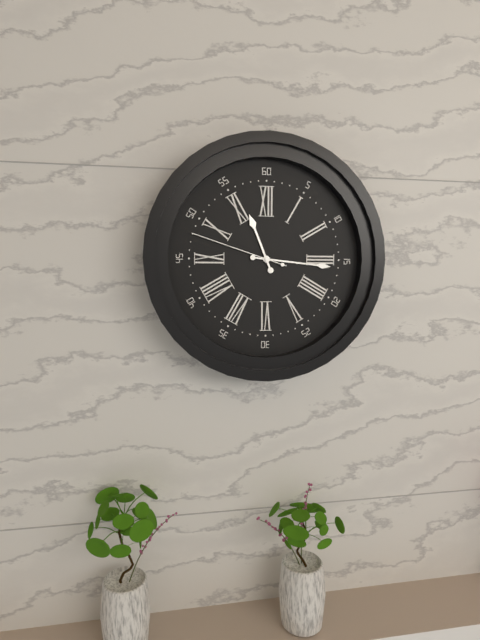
{"hour": 11, "minute": 16, "second": 48}
